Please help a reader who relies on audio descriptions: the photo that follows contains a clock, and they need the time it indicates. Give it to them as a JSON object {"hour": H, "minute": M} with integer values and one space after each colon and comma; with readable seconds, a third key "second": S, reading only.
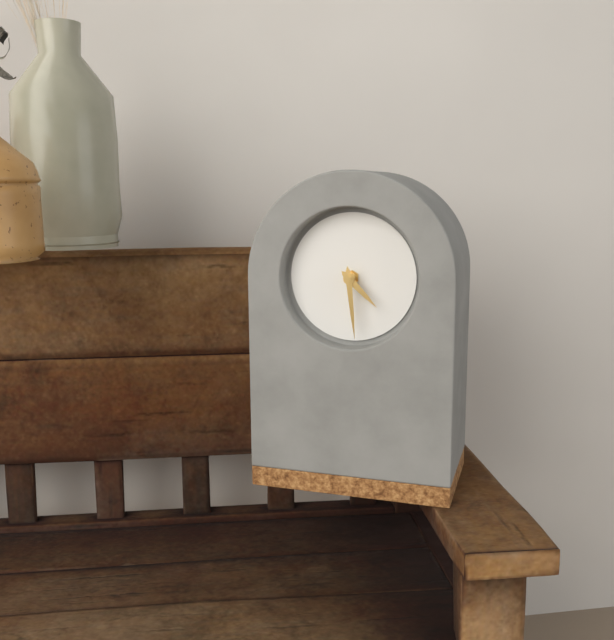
{"hour": 4, "minute": 29}
